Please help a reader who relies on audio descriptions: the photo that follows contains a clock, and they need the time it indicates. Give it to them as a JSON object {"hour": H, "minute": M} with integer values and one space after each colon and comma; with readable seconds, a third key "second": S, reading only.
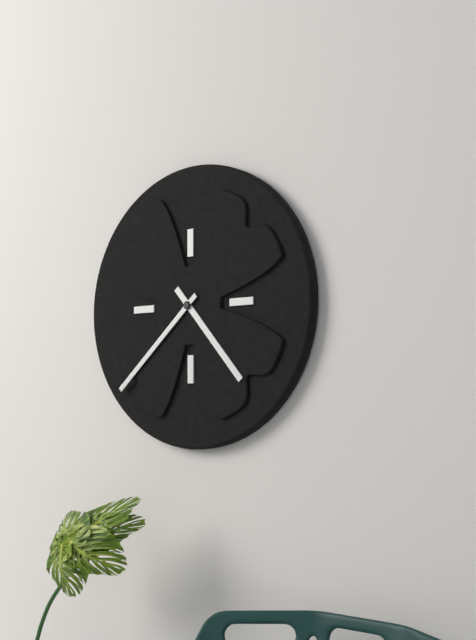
{"hour": 4, "minute": 38}
